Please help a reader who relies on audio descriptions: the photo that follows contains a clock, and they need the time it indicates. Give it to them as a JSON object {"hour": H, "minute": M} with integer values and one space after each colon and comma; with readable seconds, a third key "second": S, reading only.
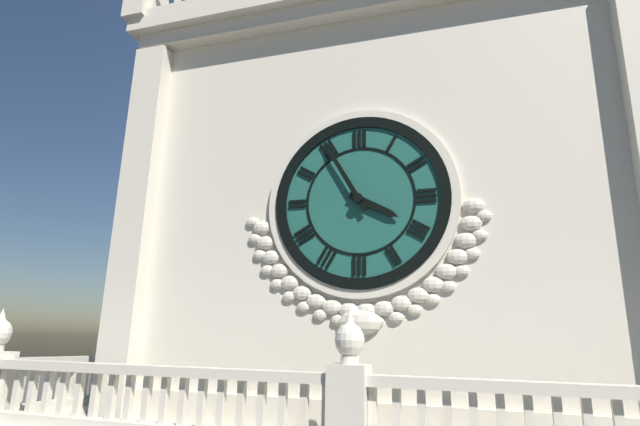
{"hour": 3, "minute": 55}
